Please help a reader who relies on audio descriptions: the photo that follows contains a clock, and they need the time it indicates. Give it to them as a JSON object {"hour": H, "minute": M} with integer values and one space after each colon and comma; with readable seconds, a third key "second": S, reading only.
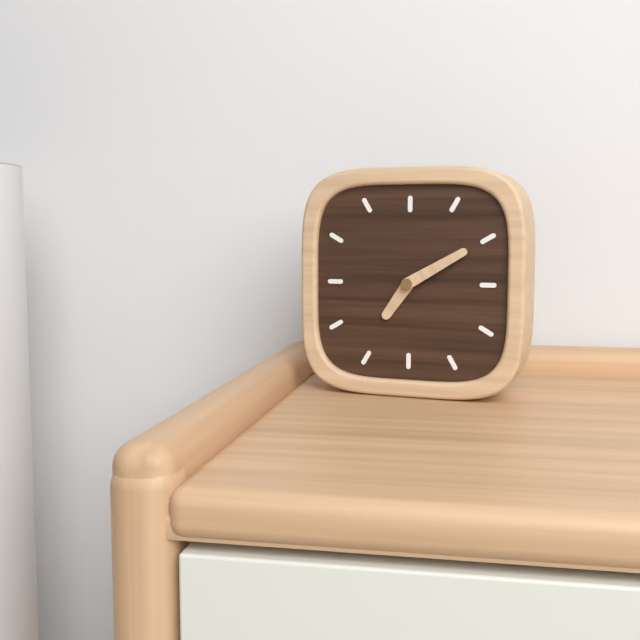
{"hour": 7, "minute": 10}
